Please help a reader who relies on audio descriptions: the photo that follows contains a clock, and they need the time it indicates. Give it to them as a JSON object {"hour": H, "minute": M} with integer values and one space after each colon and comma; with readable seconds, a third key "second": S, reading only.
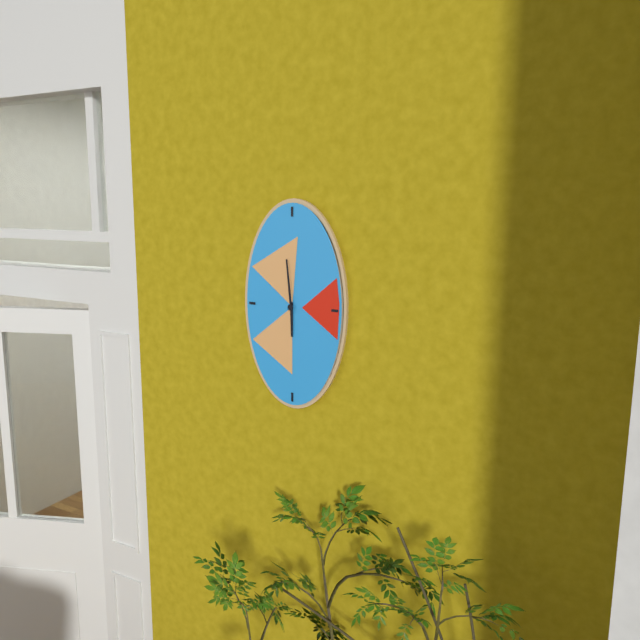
{"hour": 5, "minute": 59}
